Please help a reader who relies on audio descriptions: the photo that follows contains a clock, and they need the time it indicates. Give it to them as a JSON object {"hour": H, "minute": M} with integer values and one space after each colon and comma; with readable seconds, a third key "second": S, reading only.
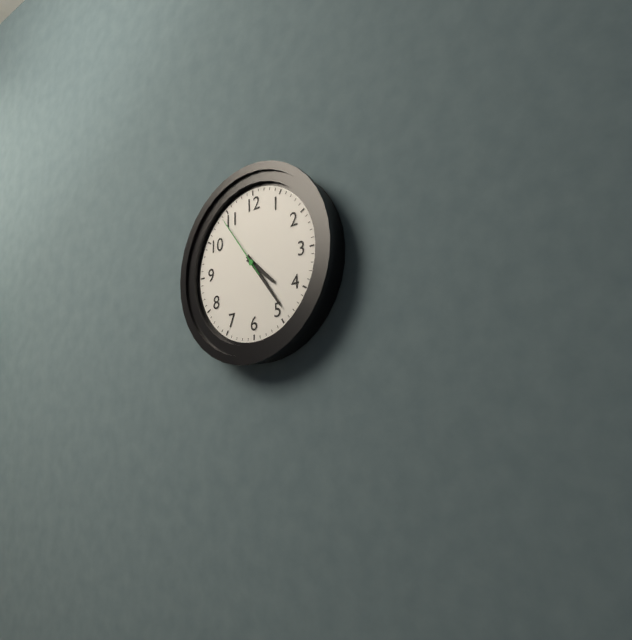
{"hour": 4, "minute": 24, "second": 54}
